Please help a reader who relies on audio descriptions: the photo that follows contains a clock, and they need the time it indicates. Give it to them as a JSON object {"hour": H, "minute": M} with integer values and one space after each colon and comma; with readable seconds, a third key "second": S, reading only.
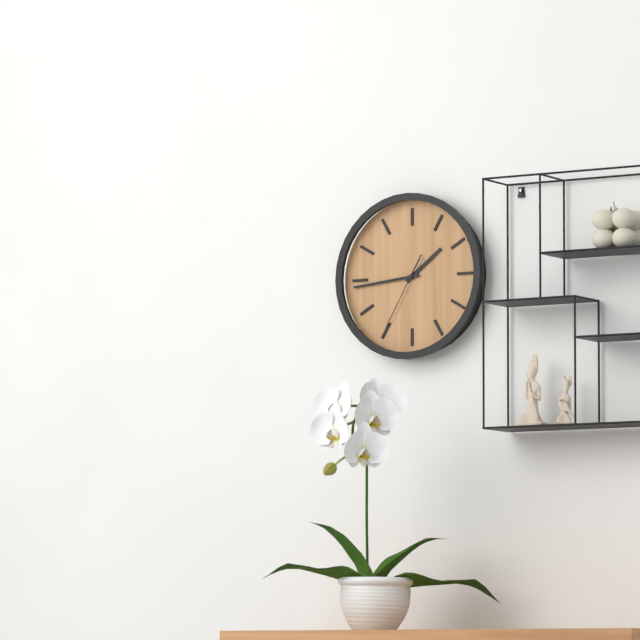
{"hour": 1, "minute": 44, "second": 35}
